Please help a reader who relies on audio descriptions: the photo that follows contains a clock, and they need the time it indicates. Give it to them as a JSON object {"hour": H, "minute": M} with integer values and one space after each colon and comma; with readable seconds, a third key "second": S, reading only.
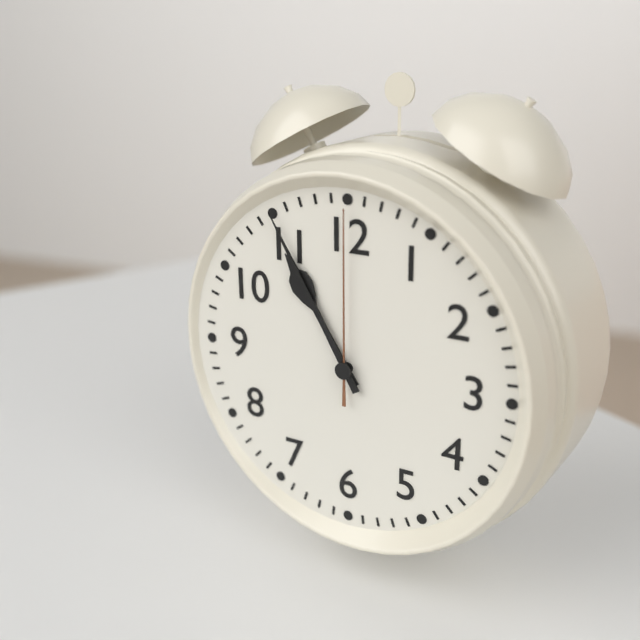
{"hour": 10, "minute": 55, "second": 0}
